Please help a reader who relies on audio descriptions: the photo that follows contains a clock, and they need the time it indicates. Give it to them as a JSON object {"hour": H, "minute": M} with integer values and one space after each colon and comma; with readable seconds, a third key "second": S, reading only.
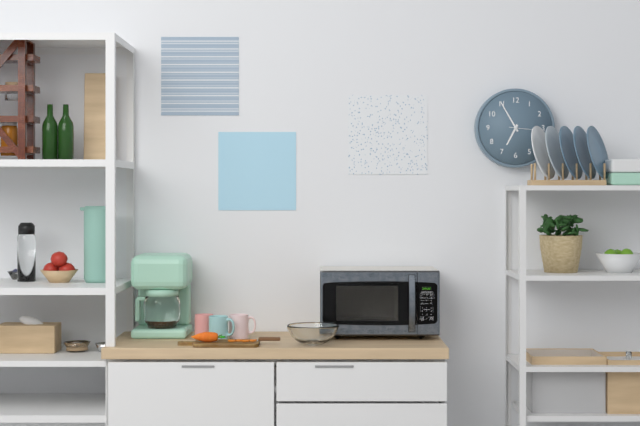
{"hour": 6, "minute": 55}
